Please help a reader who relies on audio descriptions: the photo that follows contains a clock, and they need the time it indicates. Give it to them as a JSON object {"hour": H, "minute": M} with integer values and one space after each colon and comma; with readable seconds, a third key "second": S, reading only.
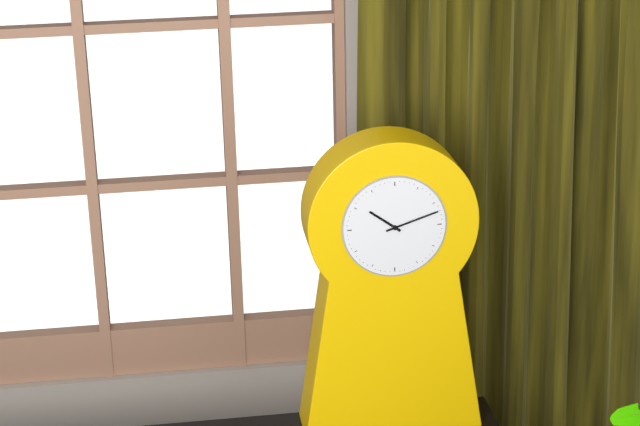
{"hour": 10, "minute": 12}
